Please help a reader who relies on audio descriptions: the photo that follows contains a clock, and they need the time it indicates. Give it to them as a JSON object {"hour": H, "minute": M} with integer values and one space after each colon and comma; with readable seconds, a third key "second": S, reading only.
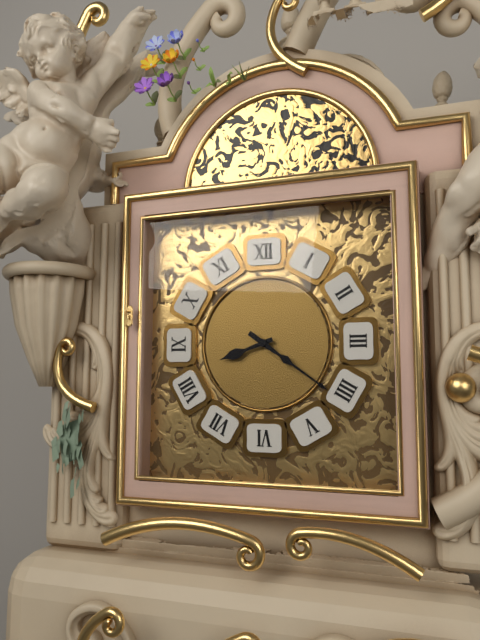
{"hour": 8, "minute": 21}
